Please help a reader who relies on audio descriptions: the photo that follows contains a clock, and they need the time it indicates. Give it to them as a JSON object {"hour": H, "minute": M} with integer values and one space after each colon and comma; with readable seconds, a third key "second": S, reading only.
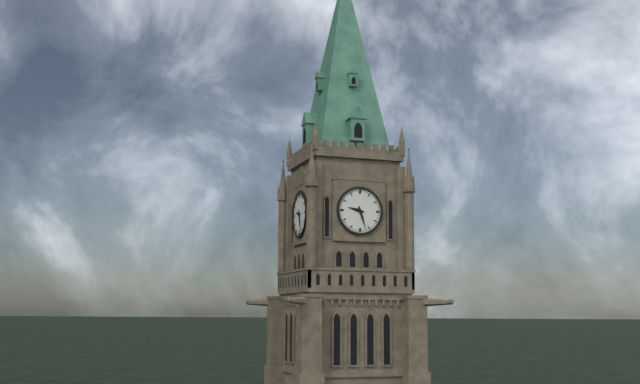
{"hour": 9, "minute": 27}
